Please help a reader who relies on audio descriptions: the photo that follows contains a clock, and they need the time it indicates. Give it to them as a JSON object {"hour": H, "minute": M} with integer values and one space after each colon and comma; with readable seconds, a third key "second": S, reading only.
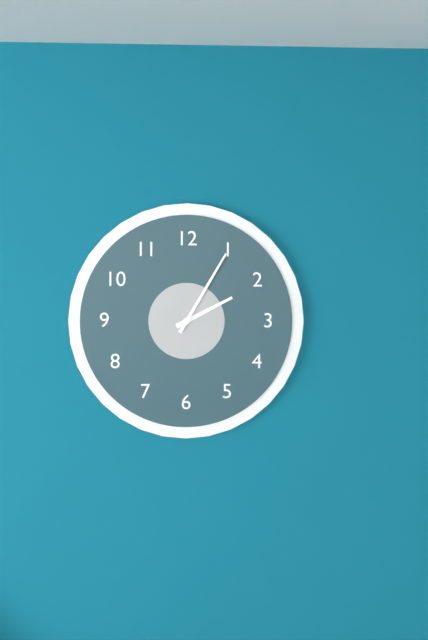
{"hour": 2, "minute": 5}
